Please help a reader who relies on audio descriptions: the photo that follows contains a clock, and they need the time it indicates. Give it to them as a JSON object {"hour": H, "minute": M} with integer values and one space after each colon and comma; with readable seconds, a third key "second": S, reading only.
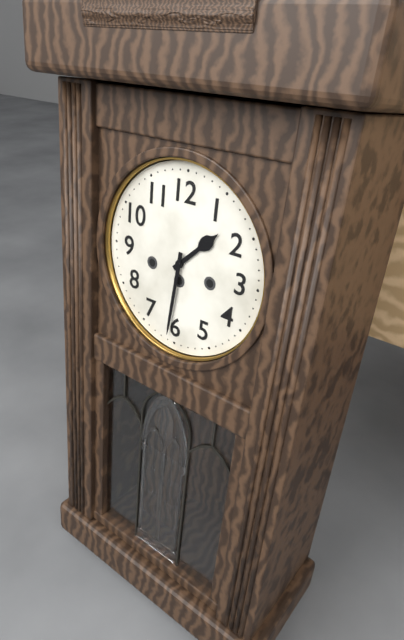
{"hour": 1, "minute": 31}
